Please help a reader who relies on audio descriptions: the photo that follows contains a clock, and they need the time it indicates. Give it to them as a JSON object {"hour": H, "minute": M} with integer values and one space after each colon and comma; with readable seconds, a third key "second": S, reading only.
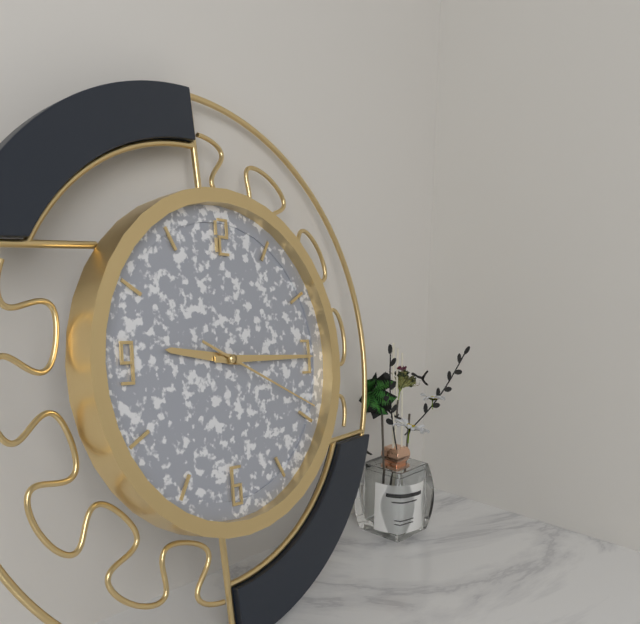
{"hour": 9, "minute": 15, "second": 19}
